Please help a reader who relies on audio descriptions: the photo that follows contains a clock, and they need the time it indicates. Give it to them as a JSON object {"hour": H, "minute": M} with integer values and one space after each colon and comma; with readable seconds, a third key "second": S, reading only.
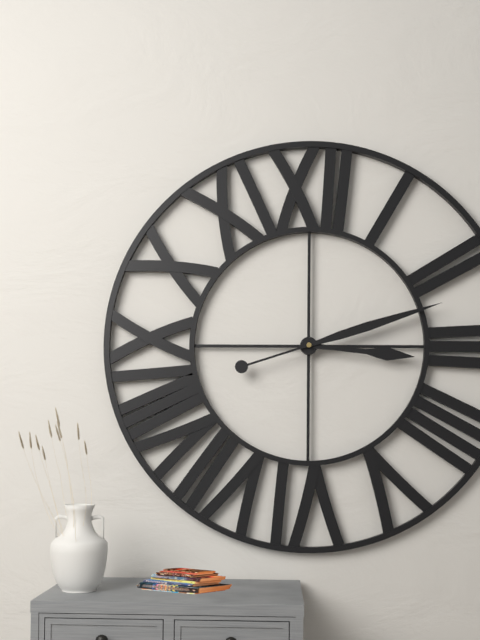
{"hour": 3, "minute": 12}
